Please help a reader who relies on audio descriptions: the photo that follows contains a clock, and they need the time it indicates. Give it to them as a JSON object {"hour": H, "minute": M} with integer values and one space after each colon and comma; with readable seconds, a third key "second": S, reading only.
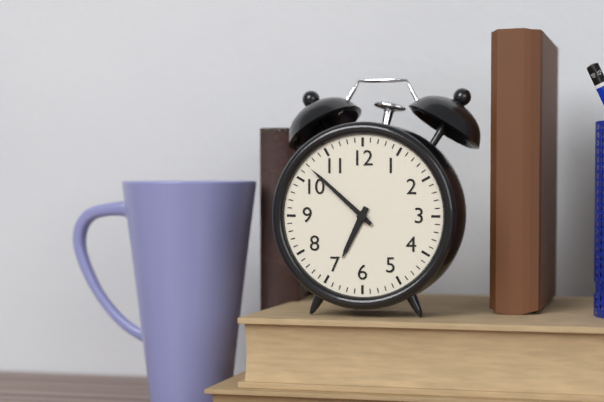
{"hour": 6, "minute": 52}
